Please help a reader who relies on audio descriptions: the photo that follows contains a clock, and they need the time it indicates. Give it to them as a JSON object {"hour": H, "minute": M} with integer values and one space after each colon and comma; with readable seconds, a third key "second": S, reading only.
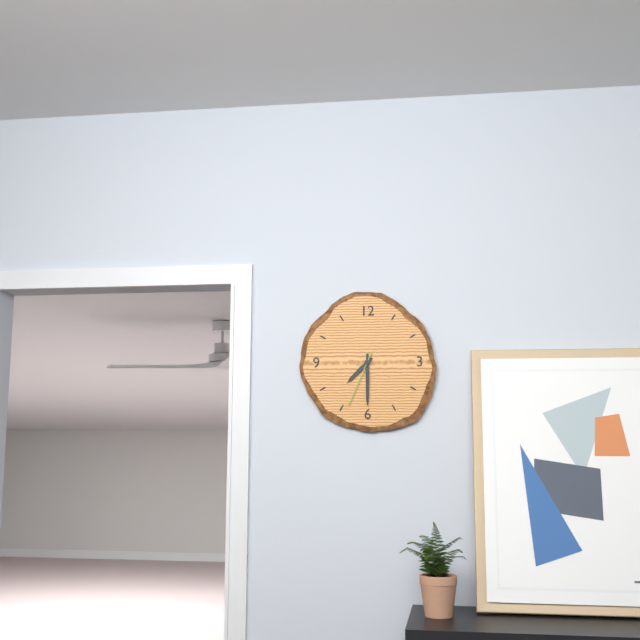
{"hour": 7, "minute": 30, "second": 34}
